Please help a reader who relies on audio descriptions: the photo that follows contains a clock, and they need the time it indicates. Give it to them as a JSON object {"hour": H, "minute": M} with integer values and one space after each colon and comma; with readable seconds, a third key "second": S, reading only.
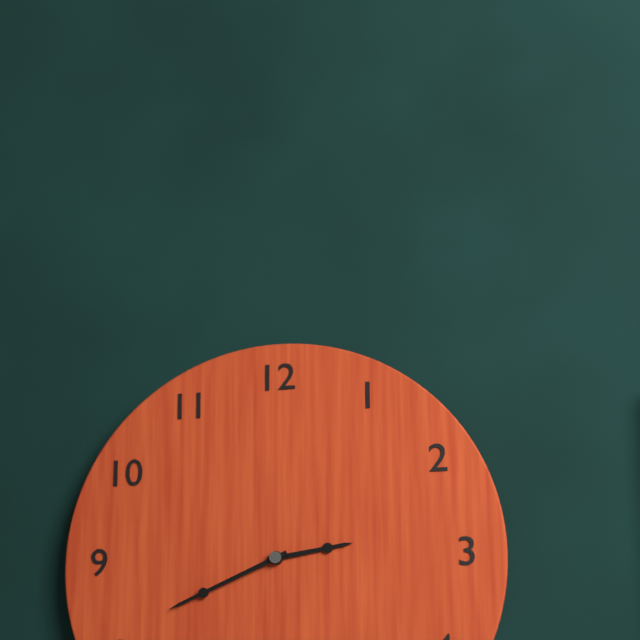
{"hour": 2, "minute": 41}
